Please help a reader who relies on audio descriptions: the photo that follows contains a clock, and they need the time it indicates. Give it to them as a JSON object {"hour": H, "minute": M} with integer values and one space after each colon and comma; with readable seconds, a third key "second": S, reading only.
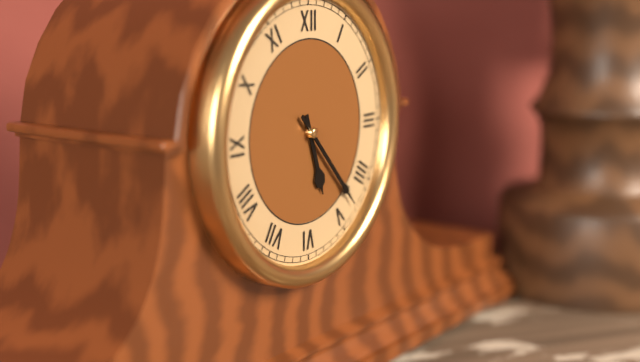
{"hour": 5, "minute": 23}
